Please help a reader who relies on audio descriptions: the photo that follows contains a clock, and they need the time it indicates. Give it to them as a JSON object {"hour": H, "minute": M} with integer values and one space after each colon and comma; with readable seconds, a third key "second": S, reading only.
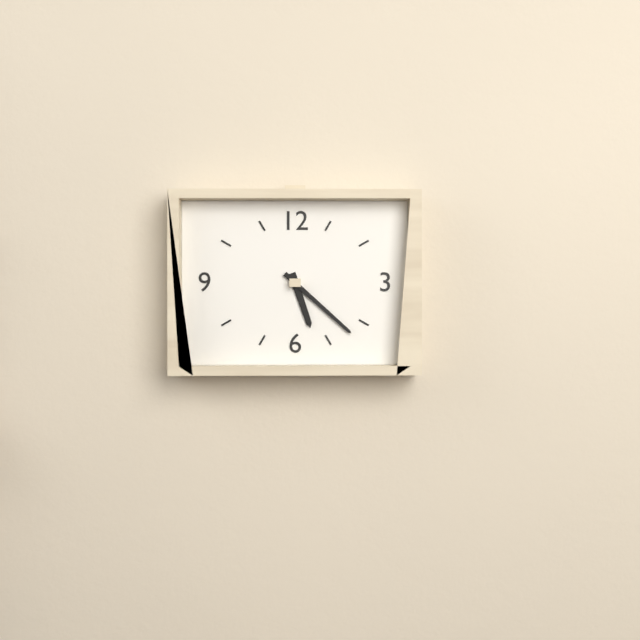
{"hour": 5, "minute": 22}
